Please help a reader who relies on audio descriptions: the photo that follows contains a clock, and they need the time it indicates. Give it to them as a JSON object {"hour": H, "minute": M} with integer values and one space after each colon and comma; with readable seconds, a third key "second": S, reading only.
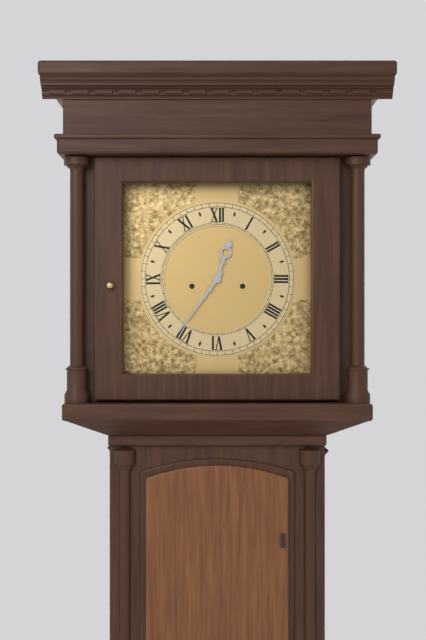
{"hour": 12, "minute": 36}
